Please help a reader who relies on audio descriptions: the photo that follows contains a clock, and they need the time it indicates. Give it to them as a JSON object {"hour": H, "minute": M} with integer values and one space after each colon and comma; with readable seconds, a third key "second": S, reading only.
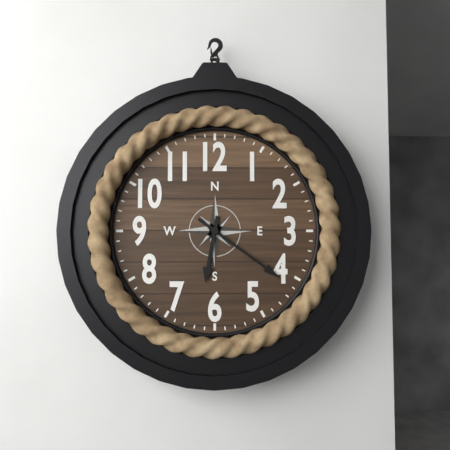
{"hour": 6, "minute": 21}
